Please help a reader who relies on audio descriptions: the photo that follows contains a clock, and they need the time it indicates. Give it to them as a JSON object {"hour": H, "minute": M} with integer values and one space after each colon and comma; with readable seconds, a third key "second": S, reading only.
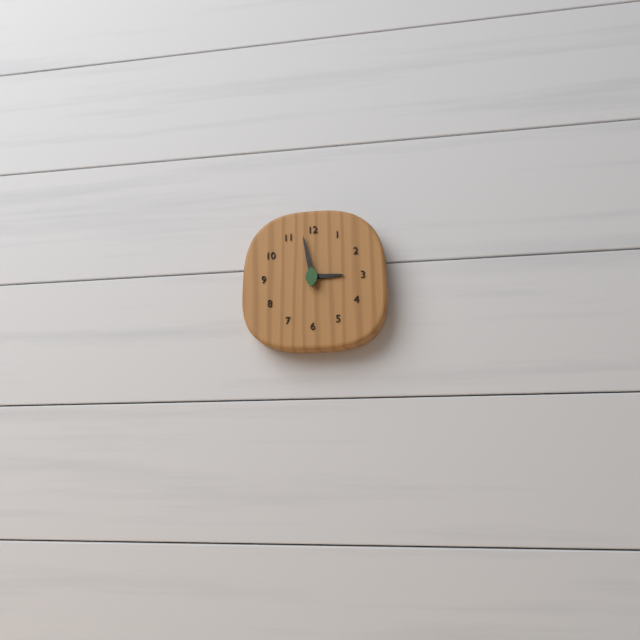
{"hour": 2, "minute": 58}
